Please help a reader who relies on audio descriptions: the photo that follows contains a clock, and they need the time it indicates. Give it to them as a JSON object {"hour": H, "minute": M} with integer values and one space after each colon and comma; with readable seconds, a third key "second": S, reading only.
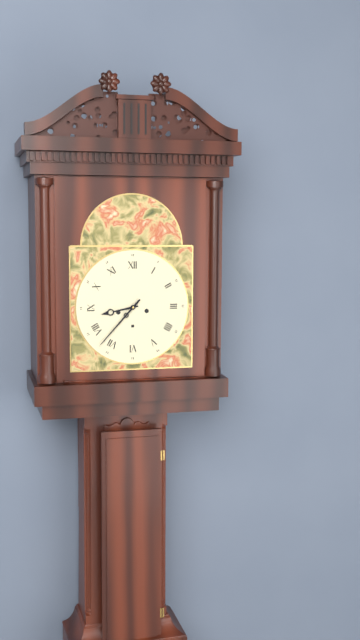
{"hour": 8, "minute": 37}
